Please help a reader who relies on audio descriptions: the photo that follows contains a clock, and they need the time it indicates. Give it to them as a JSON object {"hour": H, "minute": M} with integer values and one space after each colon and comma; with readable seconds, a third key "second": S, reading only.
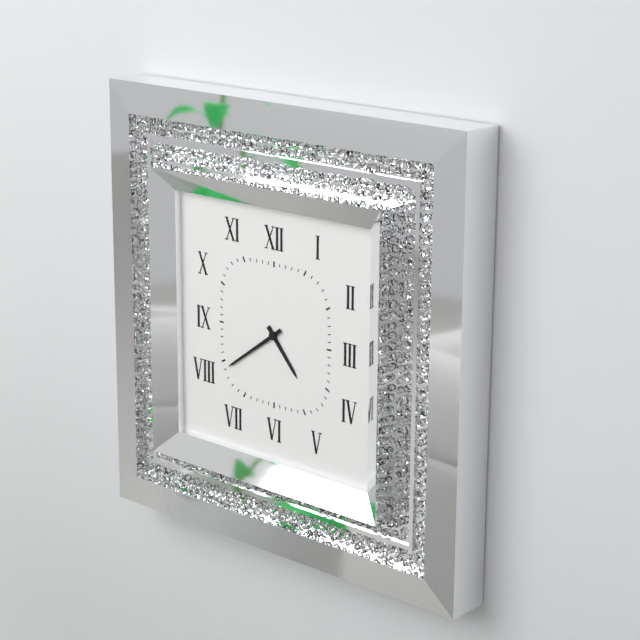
{"hour": 4, "minute": 39}
